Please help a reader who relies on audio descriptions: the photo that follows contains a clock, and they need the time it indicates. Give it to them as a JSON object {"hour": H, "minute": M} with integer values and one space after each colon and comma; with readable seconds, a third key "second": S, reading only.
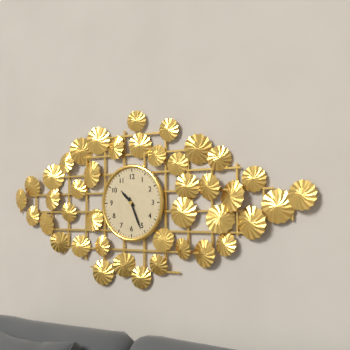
{"hour": 10, "minute": 26}
